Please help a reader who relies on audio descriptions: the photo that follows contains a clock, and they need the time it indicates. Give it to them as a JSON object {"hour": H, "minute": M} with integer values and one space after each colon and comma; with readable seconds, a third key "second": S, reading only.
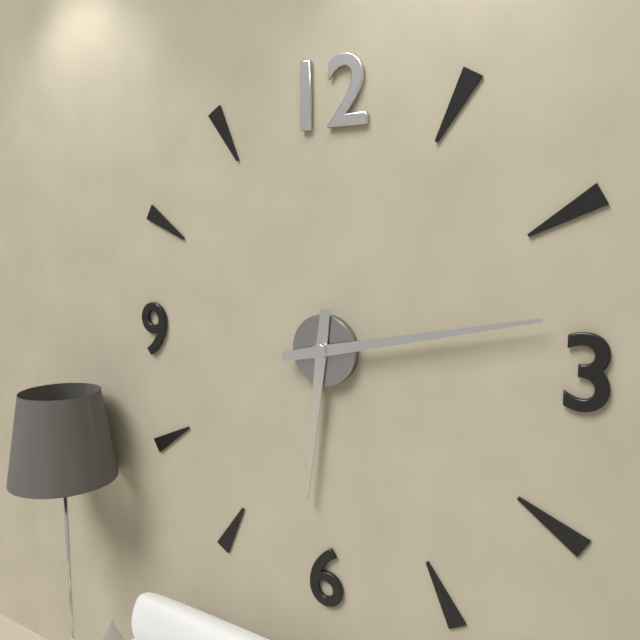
{"hour": 6, "minute": 13}
